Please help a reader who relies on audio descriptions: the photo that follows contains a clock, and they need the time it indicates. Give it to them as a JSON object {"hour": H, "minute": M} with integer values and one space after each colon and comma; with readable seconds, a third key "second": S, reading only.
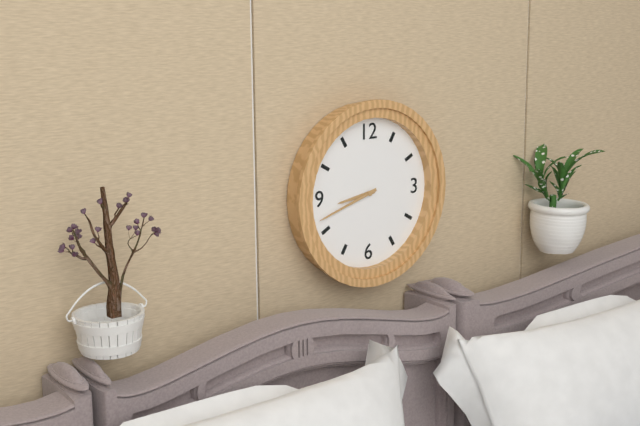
{"hour": 8, "minute": 42}
